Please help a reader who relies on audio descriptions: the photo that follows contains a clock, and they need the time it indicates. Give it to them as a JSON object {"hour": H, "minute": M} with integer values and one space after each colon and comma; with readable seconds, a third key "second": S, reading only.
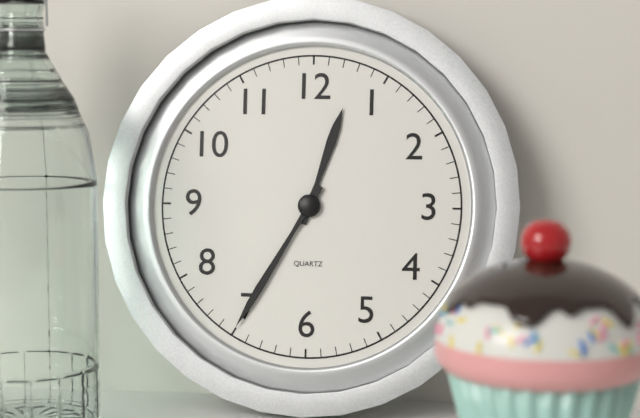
{"hour": 12, "minute": 35}
